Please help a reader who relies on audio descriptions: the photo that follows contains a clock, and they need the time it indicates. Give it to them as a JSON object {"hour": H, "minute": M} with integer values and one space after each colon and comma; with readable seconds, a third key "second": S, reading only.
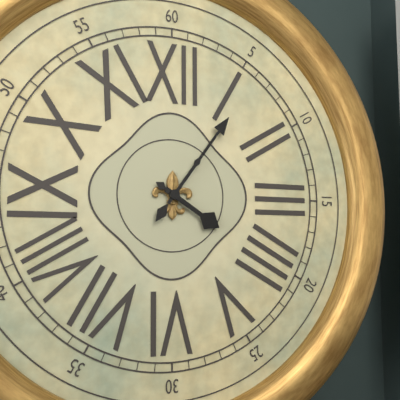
{"hour": 4, "minute": 6}
